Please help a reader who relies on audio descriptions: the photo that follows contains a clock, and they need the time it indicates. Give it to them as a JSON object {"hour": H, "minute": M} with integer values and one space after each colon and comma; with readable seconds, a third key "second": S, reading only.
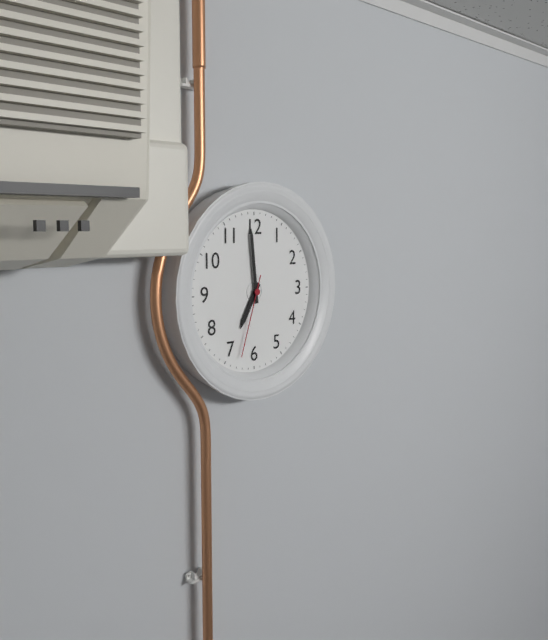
{"hour": 6, "minute": 59, "second": 33}
